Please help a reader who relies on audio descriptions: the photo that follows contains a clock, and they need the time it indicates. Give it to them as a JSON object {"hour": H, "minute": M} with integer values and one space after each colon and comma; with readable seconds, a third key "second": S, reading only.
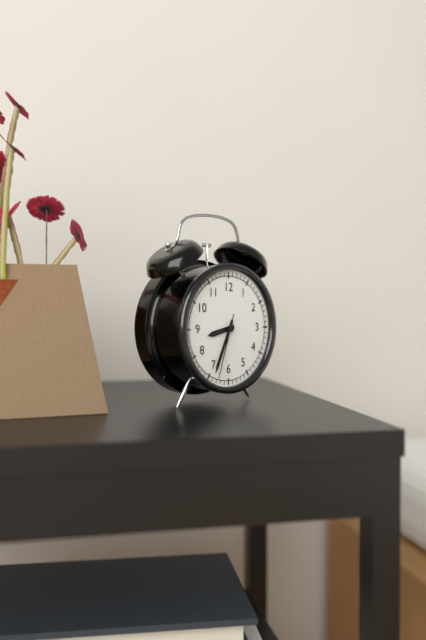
{"hour": 8, "minute": 34, "second": 33}
